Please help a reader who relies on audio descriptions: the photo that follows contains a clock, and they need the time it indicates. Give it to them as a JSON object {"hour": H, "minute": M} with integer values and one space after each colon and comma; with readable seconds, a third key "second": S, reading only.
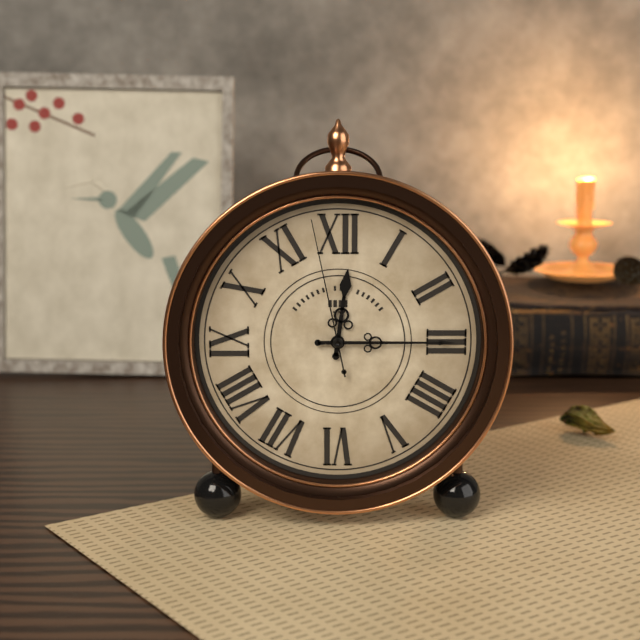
{"hour": 12, "minute": 15, "second": 58}
